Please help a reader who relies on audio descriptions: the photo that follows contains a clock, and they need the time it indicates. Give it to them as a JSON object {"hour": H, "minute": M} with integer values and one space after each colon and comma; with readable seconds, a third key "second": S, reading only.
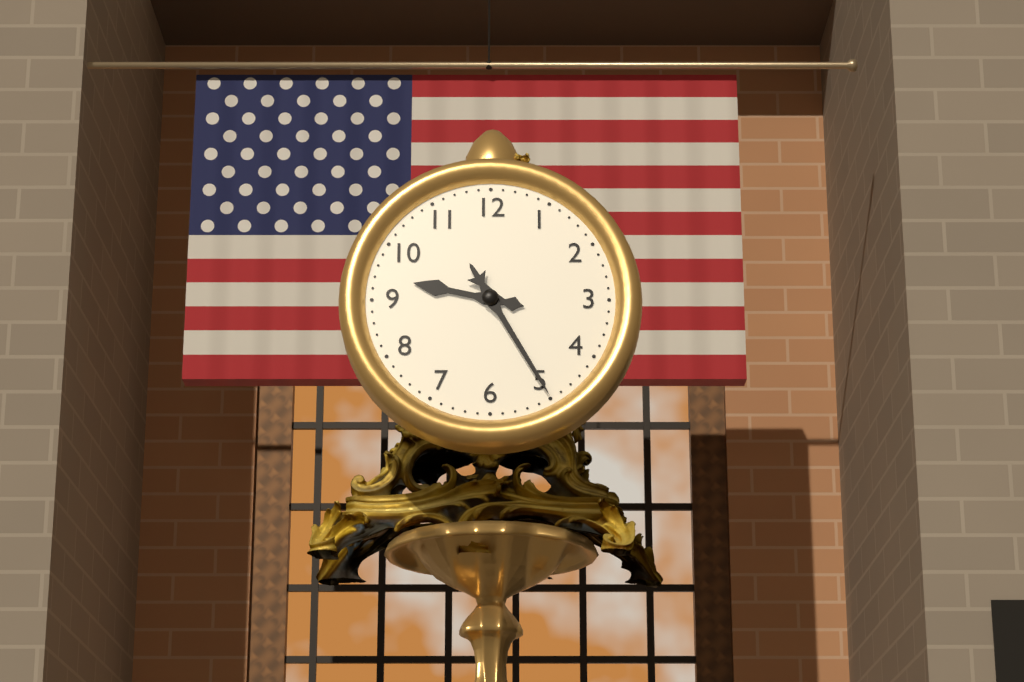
{"hour": 9, "minute": 25}
